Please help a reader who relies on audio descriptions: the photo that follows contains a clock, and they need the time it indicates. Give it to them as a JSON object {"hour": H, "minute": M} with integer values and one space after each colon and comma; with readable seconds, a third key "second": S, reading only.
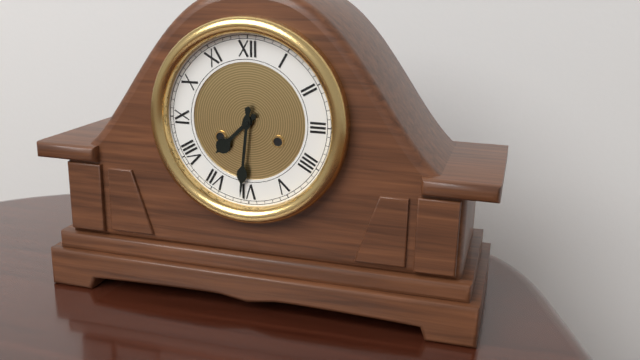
{"hour": 7, "minute": 31}
